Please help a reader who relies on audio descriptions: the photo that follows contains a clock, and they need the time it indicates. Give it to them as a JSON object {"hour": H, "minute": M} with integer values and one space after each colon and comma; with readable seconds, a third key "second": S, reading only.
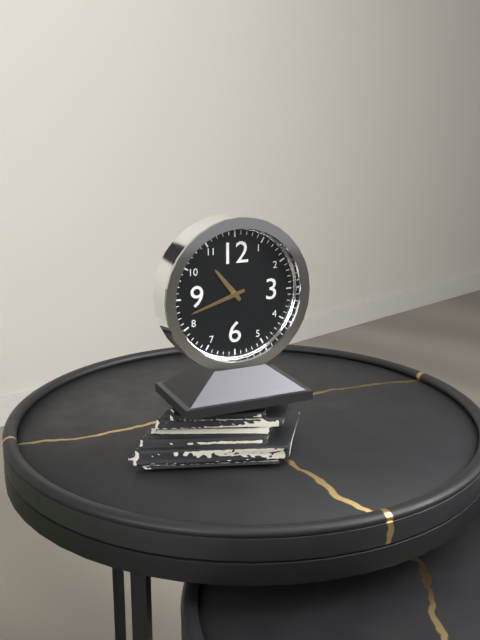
{"hour": 10, "minute": 42}
